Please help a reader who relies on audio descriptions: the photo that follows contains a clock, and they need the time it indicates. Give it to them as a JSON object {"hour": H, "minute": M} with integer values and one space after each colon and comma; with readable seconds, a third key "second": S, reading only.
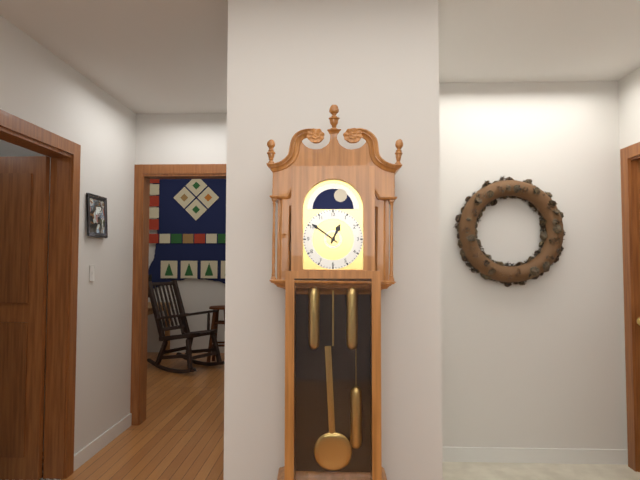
{"hour": 12, "minute": 51}
